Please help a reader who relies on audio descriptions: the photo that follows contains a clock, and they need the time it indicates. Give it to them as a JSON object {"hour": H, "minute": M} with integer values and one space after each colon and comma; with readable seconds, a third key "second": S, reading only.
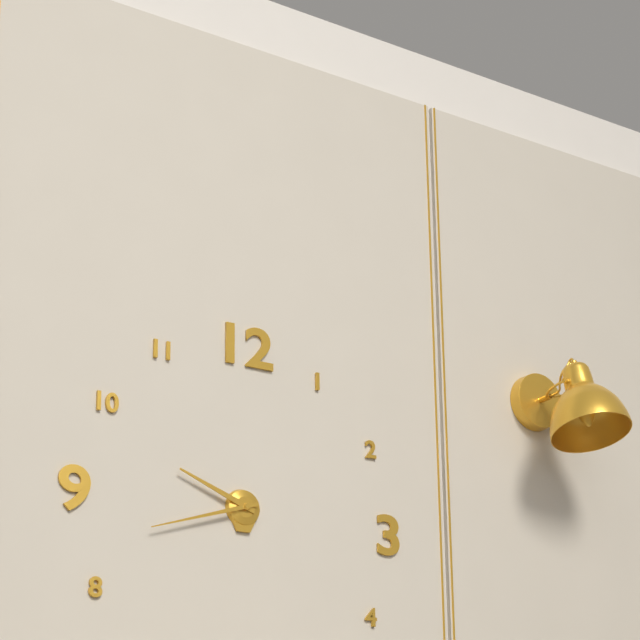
{"hour": 9, "minute": 42}
